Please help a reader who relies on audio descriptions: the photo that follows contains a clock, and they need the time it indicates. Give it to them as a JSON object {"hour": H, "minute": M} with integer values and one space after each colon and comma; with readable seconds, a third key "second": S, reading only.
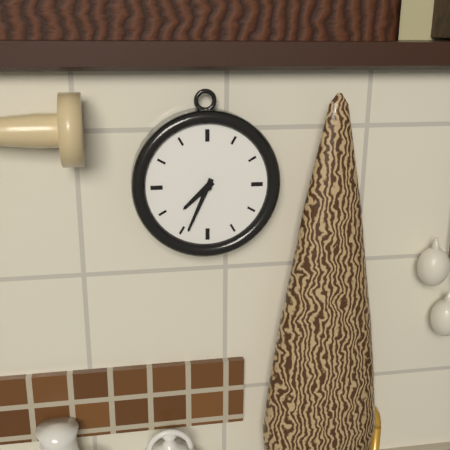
{"hour": 7, "minute": 34}
